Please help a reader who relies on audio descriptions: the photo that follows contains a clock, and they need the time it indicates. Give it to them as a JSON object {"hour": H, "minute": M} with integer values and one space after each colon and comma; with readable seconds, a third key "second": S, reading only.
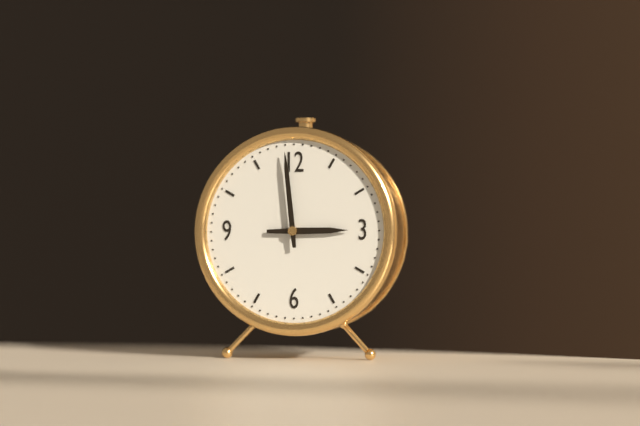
{"hour": 2, "minute": 59}
